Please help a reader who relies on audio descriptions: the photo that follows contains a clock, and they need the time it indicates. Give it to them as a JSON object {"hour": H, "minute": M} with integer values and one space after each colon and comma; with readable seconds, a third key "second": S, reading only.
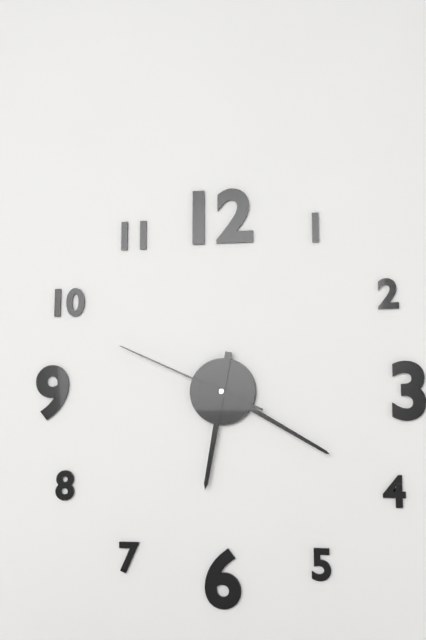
{"hour": 6, "minute": 20, "second": 49}
